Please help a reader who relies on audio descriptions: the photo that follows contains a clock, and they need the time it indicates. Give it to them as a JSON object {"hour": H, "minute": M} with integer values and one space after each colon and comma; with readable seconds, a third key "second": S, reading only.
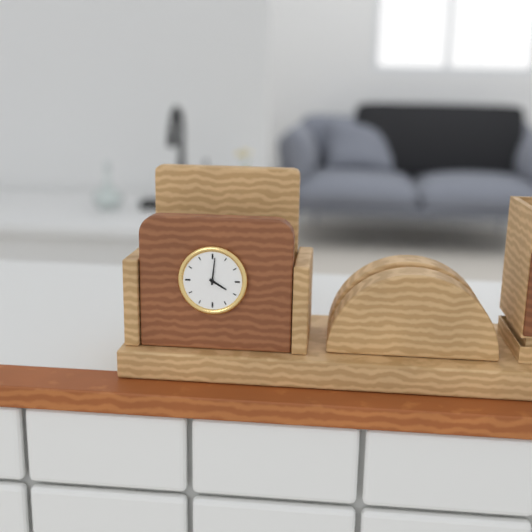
{"hour": 4, "minute": 1}
